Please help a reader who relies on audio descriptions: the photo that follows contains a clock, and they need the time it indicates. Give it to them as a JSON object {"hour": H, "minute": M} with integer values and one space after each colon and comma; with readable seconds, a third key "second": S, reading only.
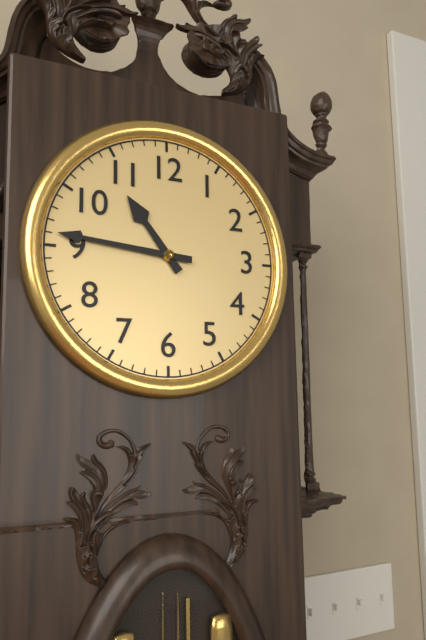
{"hour": 10, "minute": 46}
